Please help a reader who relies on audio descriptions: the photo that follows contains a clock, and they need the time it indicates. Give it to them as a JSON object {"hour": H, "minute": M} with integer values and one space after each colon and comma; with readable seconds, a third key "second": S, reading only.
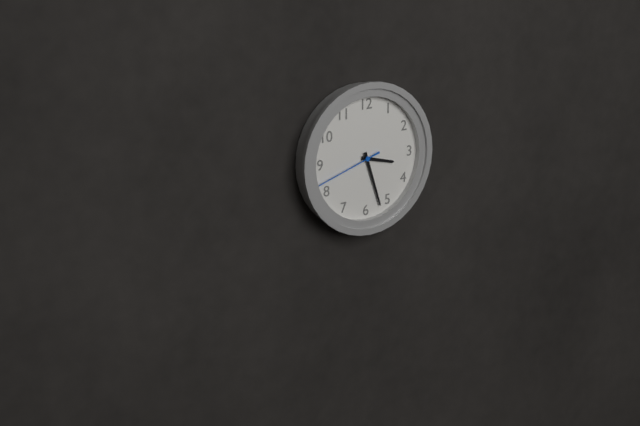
{"hour": 3, "minute": 27, "second": 42}
